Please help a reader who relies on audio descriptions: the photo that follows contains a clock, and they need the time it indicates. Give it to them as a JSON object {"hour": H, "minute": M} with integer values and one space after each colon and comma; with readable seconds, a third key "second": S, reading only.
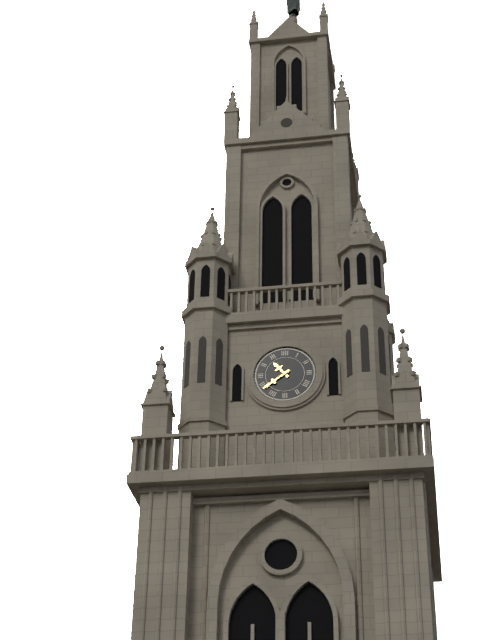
{"hour": 10, "minute": 39}
